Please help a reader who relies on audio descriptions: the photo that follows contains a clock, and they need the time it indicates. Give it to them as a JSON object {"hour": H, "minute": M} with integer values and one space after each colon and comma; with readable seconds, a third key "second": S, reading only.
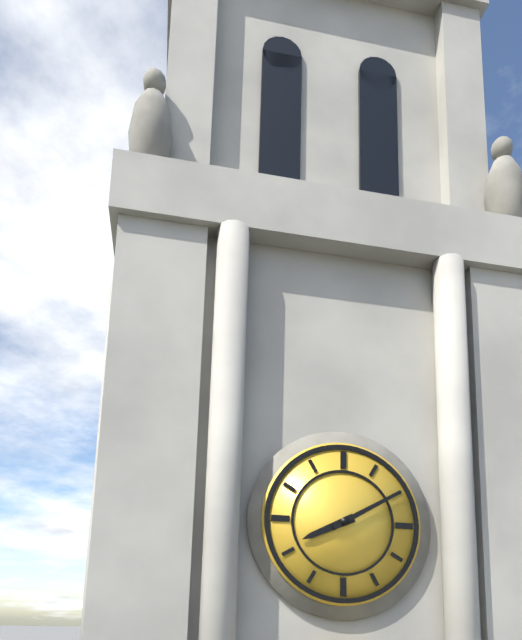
{"hour": 8, "minute": 10}
